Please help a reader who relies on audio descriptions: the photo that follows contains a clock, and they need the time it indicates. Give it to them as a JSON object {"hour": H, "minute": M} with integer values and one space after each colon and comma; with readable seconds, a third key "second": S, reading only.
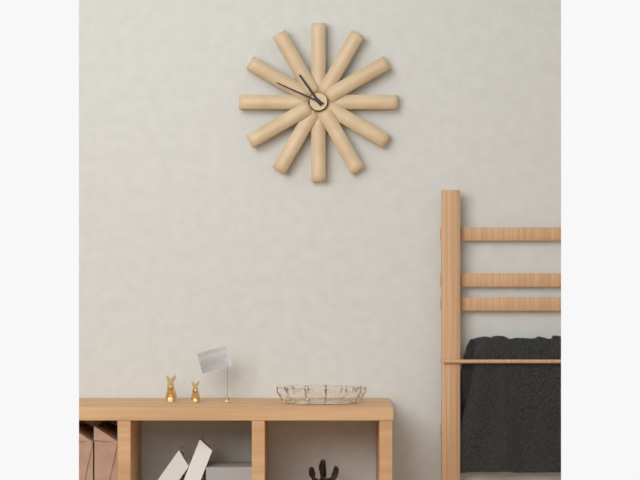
{"hour": 10, "minute": 49}
